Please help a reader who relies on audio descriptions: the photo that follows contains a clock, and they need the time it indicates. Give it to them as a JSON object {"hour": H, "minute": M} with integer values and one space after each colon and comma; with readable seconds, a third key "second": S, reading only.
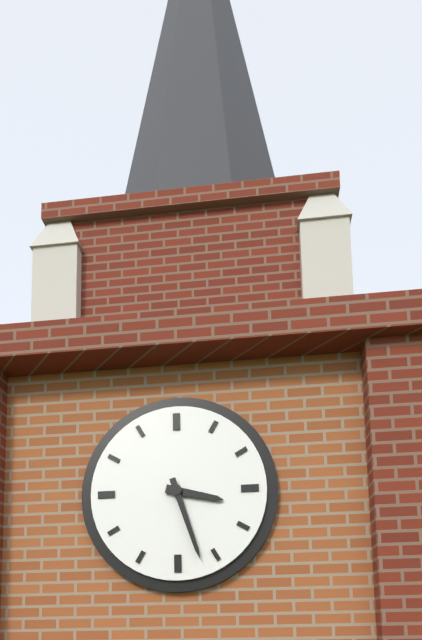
{"hour": 3, "minute": 27}
